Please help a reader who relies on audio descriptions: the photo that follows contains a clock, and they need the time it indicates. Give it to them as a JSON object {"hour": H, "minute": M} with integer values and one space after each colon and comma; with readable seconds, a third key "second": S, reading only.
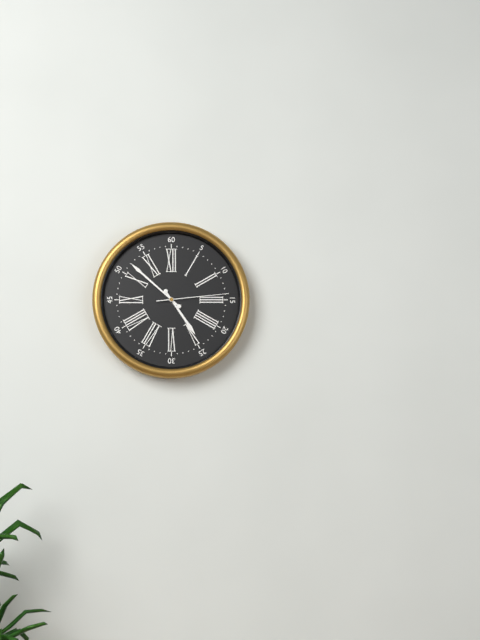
{"hour": 4, "minute": 52, "second": 14}
